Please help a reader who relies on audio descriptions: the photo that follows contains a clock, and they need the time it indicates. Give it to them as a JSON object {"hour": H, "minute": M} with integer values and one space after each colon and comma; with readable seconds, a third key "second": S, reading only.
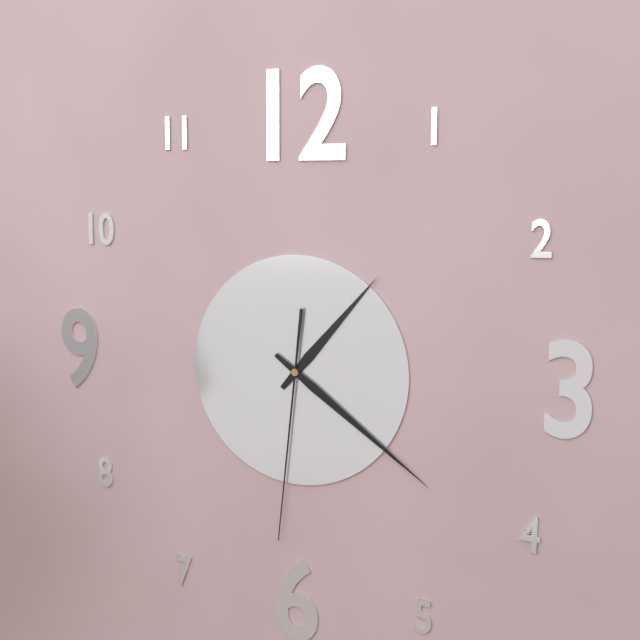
{"hour": 1, "minute": 21, "second": 31}
